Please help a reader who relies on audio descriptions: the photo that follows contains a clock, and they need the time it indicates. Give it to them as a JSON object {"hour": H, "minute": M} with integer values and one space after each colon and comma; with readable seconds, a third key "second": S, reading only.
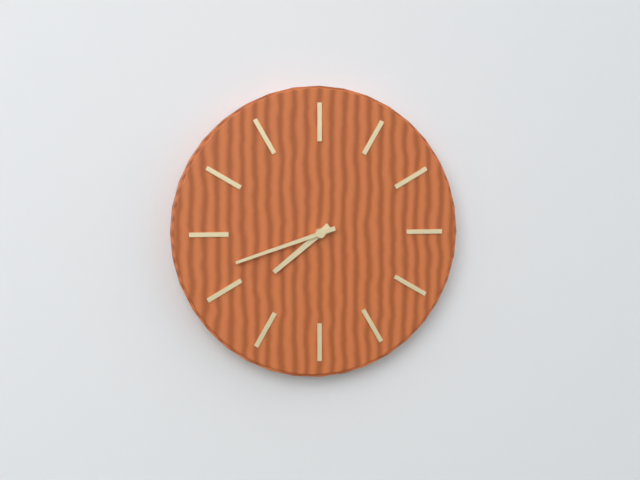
{"hour": 7, "minute": 42}
